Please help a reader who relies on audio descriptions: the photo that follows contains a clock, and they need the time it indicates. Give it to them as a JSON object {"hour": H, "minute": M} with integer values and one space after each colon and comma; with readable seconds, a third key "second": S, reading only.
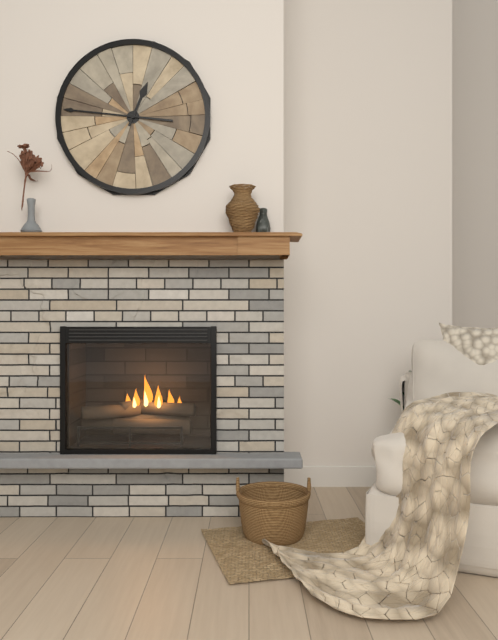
{"hour": 12, "minute": 46}
